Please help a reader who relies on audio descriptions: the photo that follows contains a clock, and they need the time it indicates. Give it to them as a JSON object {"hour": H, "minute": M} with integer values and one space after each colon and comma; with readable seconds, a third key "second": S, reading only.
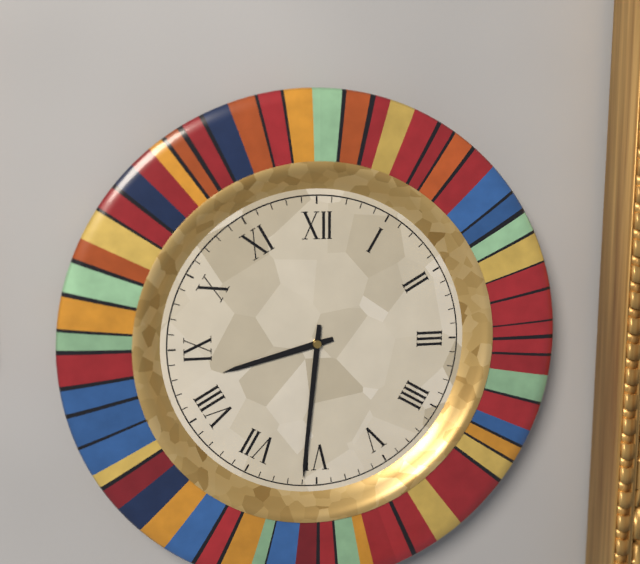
{"hour": 8, "minute": 31}
